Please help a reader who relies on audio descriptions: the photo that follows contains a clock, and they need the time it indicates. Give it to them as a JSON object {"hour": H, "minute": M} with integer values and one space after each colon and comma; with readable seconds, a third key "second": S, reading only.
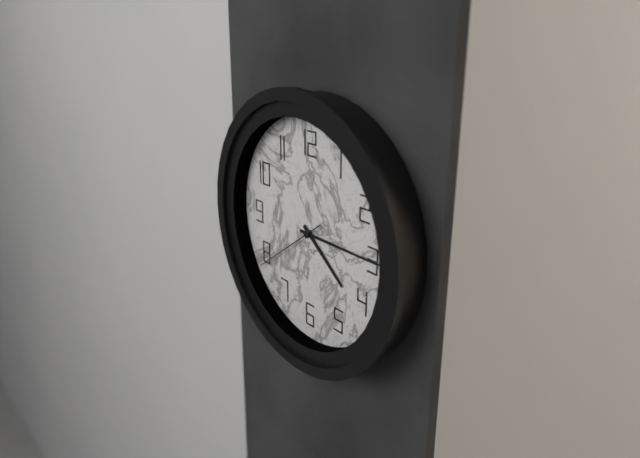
{"hour": 4, "minute": 15, "second": 39}
